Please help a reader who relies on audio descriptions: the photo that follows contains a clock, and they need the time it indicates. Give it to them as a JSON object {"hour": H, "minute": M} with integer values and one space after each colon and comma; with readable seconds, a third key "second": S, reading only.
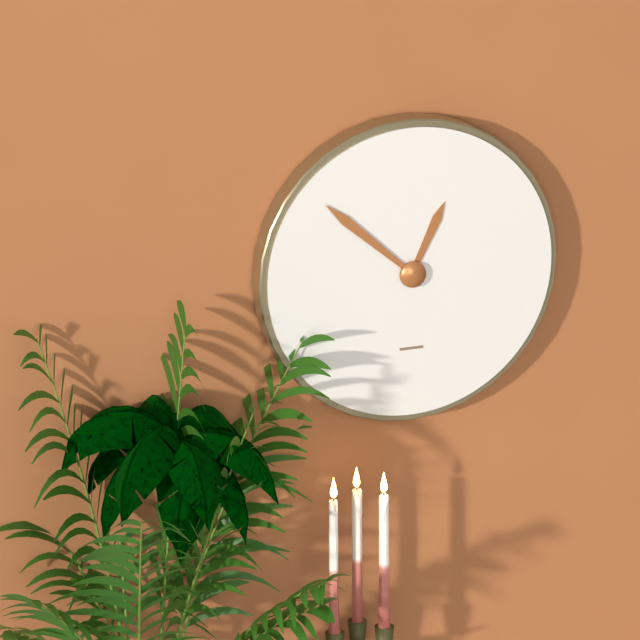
{"hour": 12, "minute": 52}
